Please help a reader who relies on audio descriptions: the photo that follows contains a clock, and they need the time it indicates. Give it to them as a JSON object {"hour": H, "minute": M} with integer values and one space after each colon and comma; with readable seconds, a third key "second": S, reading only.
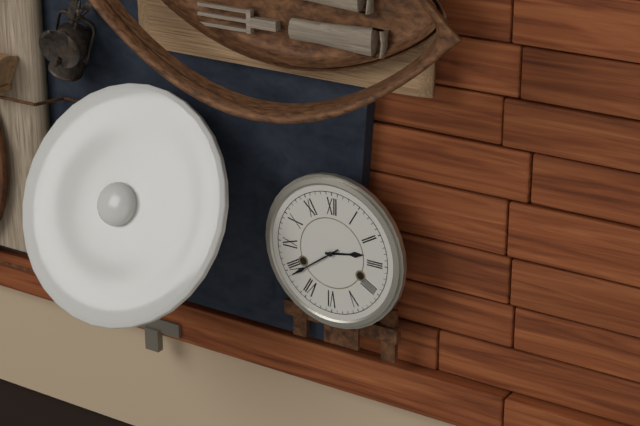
{"hour": 2, "minute": 39}
